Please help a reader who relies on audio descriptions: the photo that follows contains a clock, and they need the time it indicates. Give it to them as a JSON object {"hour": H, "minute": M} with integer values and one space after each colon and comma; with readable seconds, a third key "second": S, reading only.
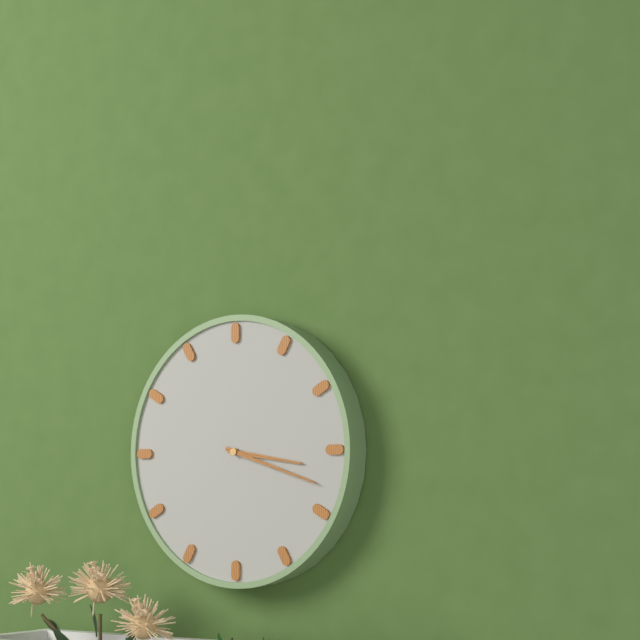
{"hour": 3, "minute": 18}
